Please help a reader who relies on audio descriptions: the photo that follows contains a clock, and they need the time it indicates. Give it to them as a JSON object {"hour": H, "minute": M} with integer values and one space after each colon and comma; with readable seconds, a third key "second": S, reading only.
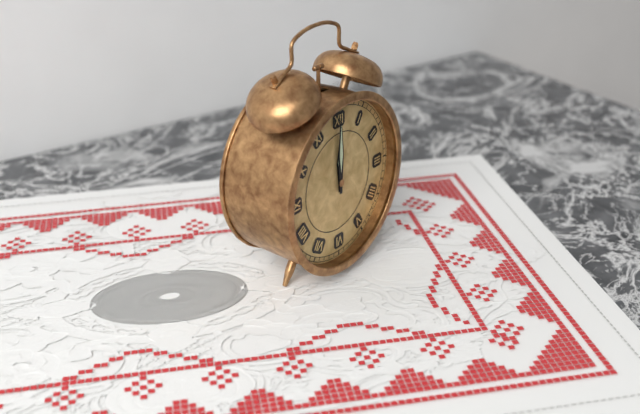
{"hour": 12, "minute": 0}
